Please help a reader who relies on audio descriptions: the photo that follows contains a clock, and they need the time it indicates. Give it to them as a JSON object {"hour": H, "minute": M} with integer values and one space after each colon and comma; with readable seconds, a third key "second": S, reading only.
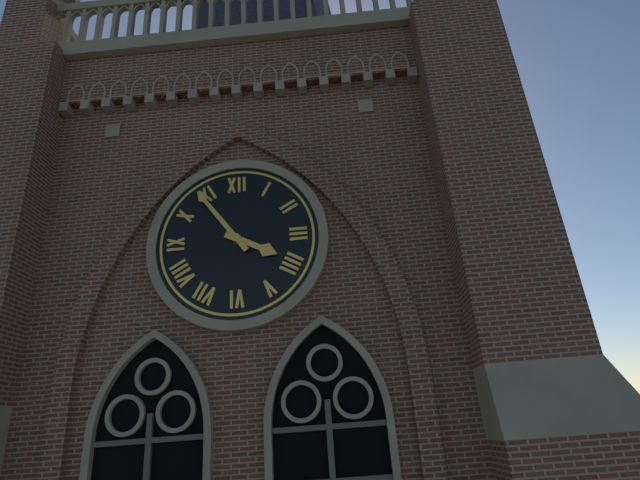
{"hour": 3, "minute": 54}
